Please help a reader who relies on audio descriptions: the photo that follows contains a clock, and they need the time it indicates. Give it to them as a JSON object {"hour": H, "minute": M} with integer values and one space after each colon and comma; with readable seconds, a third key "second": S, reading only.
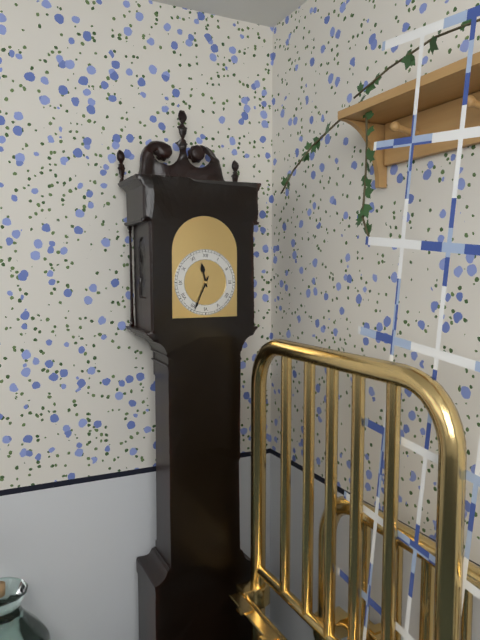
{"hour": 11, "minute": 34}
